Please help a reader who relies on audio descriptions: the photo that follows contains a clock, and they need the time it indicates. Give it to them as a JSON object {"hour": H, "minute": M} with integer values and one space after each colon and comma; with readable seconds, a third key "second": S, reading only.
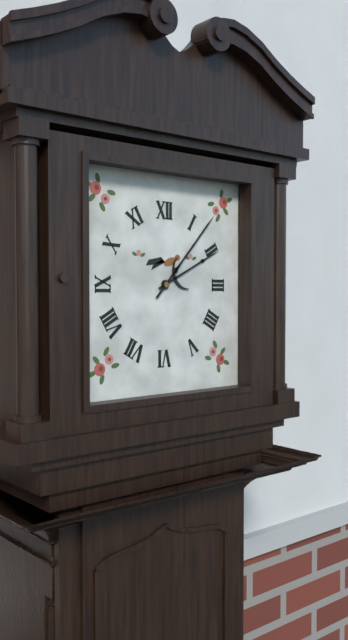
{"hour": 2, "minute": 7}
